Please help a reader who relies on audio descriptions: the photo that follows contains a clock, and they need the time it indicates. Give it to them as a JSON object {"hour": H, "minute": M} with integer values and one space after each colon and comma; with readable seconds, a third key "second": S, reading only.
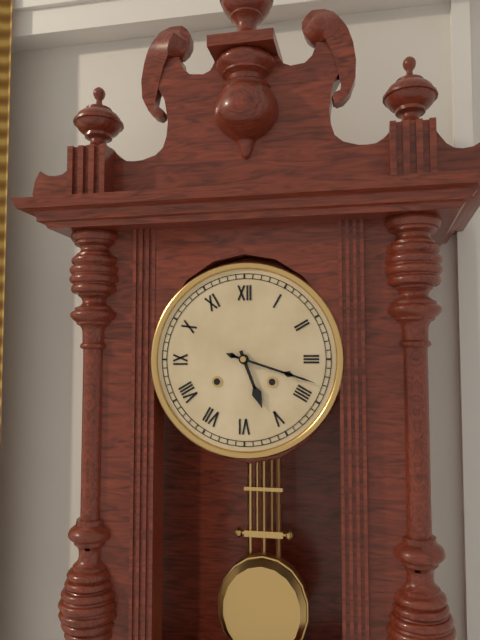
{"hour": 5, "minute": 18}
